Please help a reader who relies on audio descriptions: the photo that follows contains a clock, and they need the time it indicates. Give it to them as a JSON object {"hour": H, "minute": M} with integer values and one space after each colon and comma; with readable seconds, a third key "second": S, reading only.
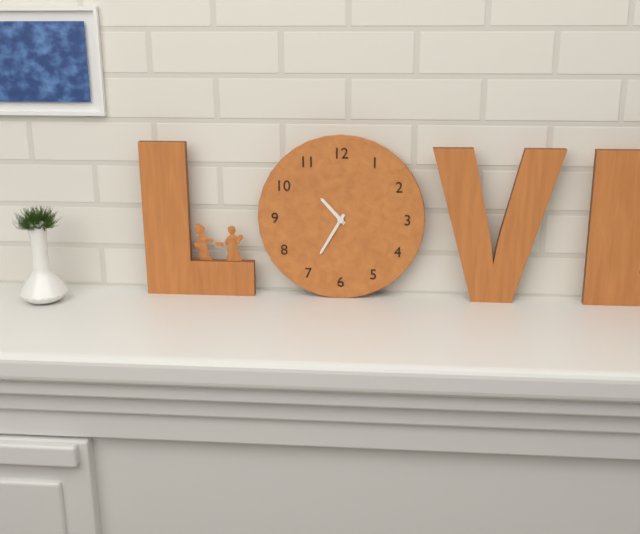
{"hour": 10, "minute": 35}
